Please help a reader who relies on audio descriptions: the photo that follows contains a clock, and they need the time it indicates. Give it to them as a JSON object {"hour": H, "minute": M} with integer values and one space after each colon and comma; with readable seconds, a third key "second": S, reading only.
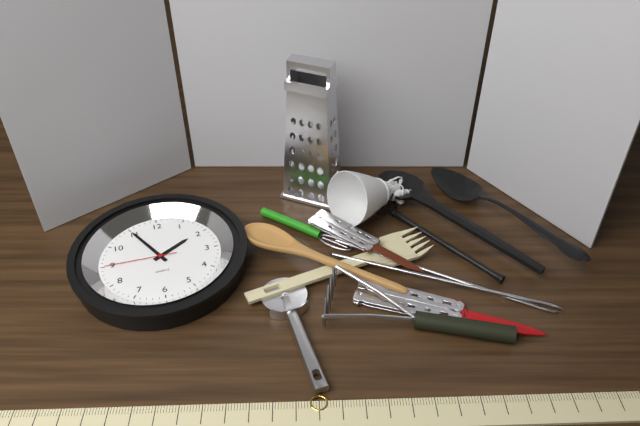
{"hour": 1, "minute": 55, "second": 45}
